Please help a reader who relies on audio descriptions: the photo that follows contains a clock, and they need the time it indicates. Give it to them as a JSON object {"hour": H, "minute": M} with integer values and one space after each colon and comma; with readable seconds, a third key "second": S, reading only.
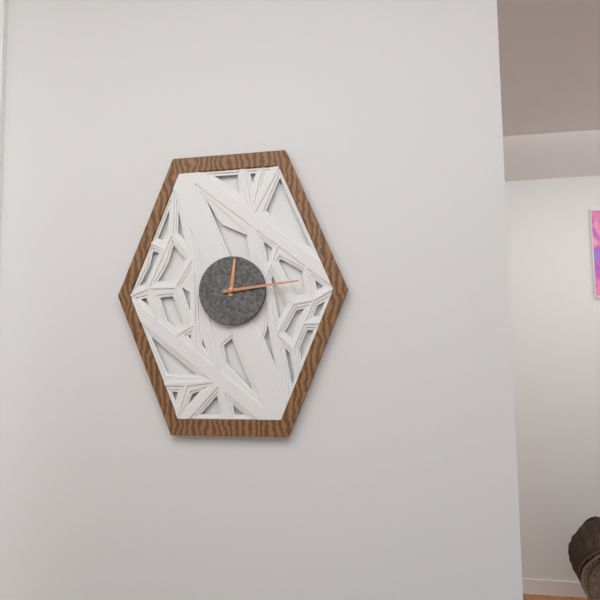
{"hour": 12, "minute": 14}
